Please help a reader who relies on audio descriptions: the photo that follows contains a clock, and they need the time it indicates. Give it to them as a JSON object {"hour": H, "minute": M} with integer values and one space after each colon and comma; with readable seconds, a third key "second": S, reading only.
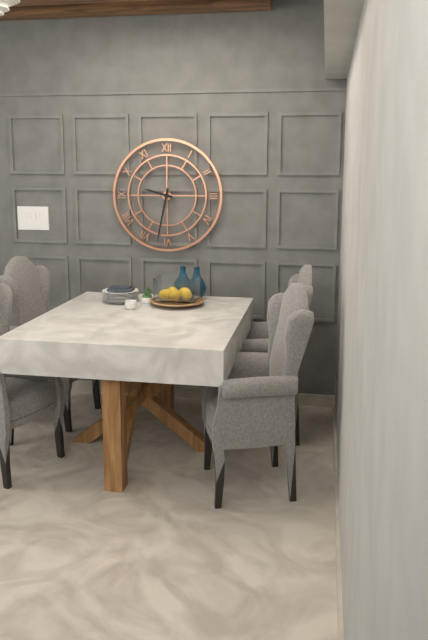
{"hour": 9, "minute": 32}
